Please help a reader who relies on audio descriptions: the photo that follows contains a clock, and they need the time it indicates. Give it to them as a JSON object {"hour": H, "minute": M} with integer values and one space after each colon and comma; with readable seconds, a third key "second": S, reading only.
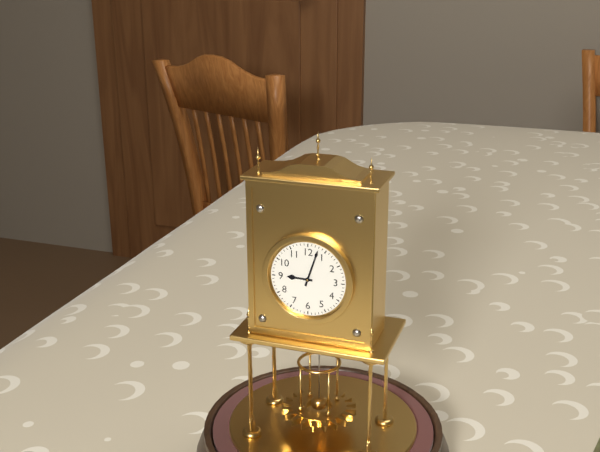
{"hour": 9, "minute": 3}
